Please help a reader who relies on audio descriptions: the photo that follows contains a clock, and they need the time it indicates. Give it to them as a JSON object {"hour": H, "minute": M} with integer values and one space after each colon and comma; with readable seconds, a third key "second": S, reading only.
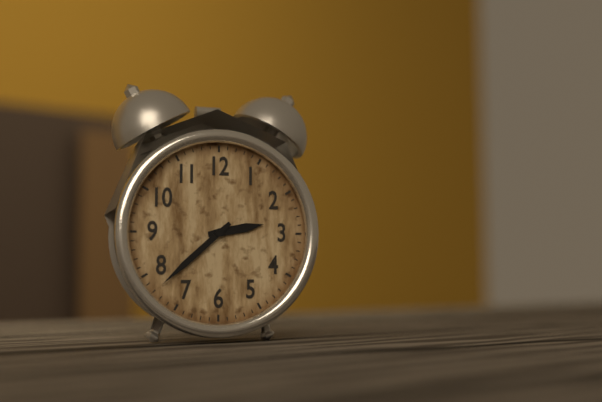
{"hour": 2, "minute": 38}
